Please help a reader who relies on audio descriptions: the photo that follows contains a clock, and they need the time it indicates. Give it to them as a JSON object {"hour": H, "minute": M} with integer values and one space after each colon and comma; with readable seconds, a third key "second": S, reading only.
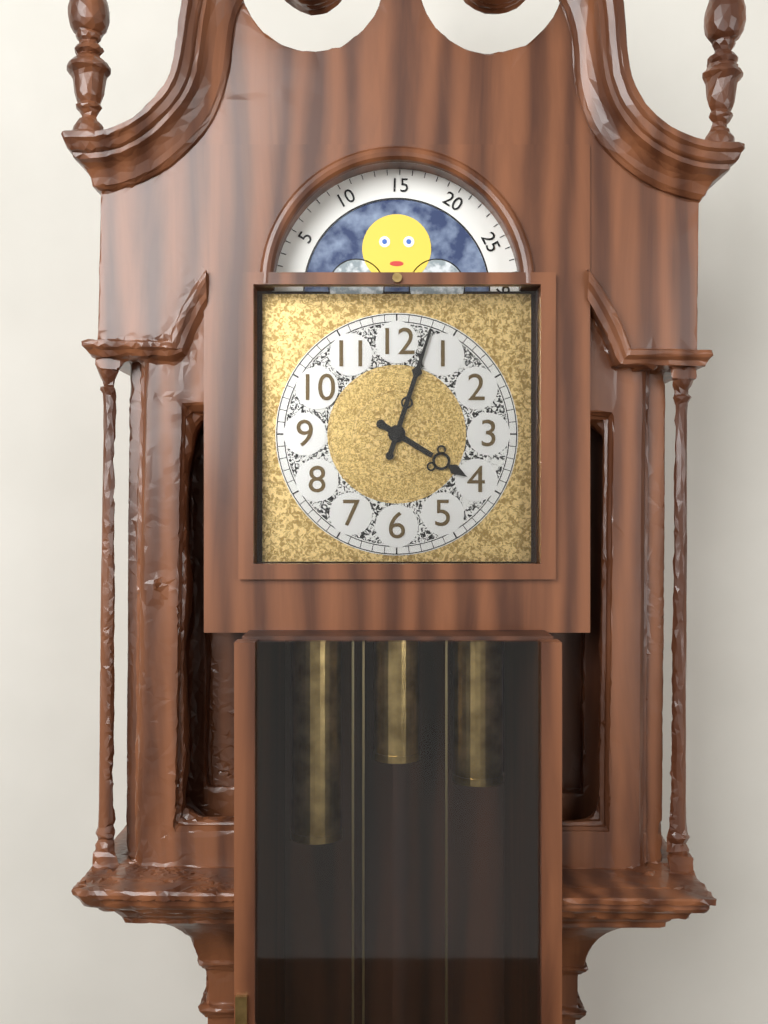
{"hour": 4, "minute": 3}
